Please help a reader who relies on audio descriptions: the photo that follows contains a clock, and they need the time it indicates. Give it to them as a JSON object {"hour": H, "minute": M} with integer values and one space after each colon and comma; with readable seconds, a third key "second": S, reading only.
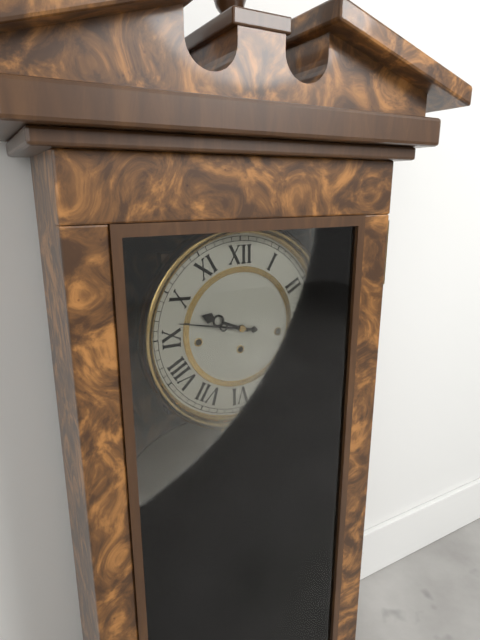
{"hour": 9, "minute": 47}
